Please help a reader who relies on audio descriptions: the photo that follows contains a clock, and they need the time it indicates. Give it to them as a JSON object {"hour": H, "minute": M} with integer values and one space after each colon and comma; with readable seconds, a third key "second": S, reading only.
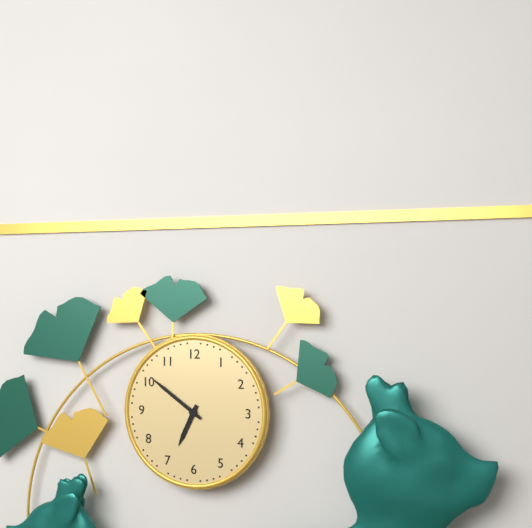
{"hour": 6, "minute": 51}
